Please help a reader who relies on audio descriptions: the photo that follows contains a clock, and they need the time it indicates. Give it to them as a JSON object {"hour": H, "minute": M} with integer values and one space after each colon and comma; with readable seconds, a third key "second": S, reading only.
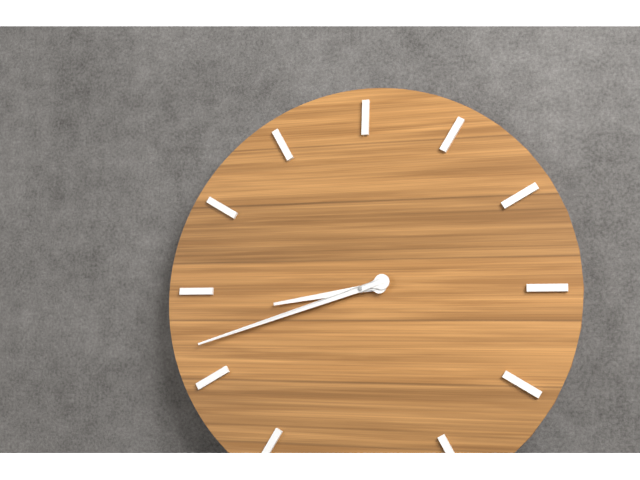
{"hour": 8, "minute": 42}
